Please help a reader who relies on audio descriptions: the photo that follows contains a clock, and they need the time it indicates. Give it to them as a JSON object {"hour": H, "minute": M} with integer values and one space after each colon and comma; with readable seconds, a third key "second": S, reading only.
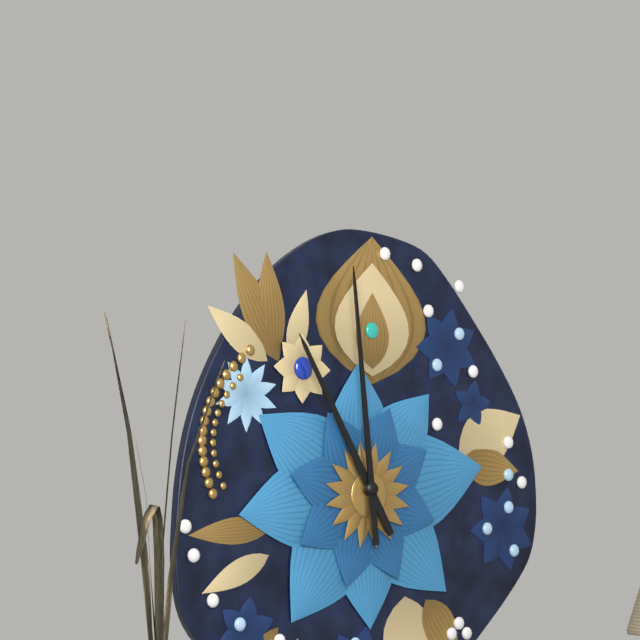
{"hour": 10, "minute": 59}
